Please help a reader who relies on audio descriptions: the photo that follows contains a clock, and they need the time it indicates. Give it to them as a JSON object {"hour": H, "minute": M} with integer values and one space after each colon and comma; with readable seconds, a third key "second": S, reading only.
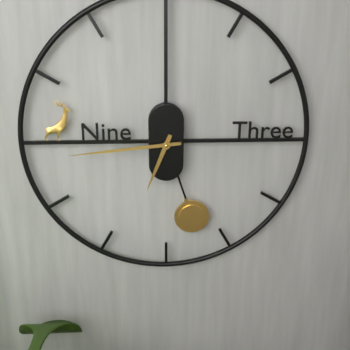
{"hour": 6, "minute": 44}
